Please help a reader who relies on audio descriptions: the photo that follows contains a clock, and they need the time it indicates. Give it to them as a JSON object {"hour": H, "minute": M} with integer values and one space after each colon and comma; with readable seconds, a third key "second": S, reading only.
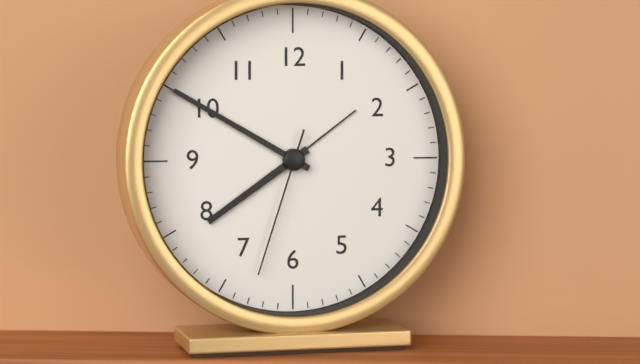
{"hour": 7, "minute": 50, "second": 33}
